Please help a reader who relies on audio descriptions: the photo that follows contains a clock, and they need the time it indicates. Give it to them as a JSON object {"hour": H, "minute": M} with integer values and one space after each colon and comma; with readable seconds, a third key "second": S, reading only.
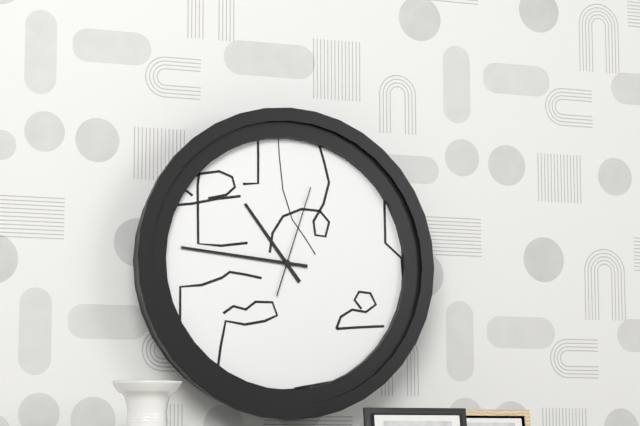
{"hour": 10, "minute": 46, "second": 3}
